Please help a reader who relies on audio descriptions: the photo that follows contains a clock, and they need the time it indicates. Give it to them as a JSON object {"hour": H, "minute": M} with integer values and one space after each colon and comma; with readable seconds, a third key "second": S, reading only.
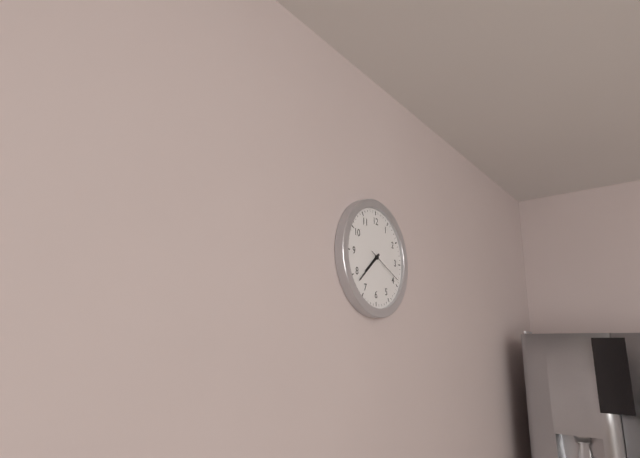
{"hour": 7, "minute": 38}
